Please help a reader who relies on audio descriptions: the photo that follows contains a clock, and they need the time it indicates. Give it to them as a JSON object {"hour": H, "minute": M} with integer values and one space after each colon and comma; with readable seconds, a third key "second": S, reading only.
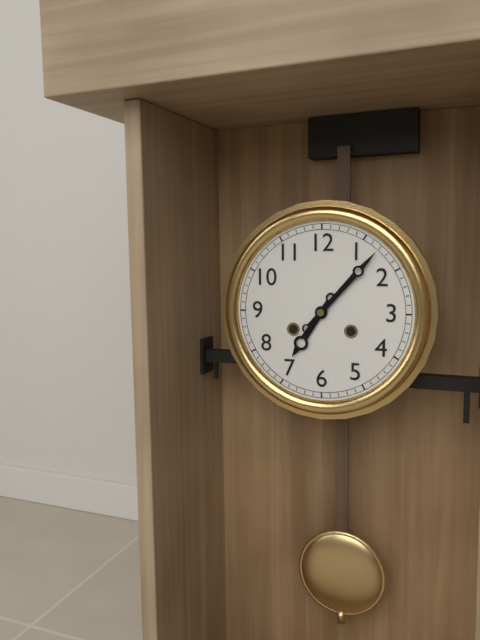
{"hour": 7, "minute": 7}
